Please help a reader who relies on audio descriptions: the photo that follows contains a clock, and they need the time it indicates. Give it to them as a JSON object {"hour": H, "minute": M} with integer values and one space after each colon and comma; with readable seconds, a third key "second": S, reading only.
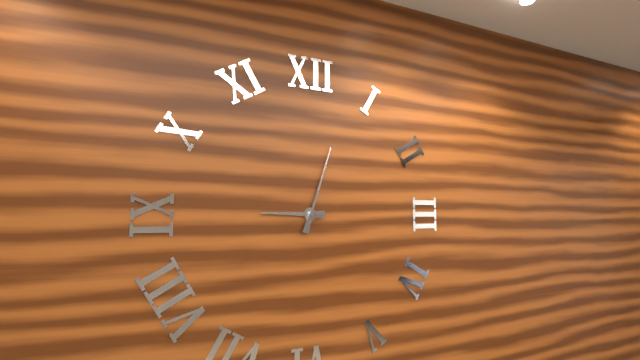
{"hour": 9, "minute": 3}
